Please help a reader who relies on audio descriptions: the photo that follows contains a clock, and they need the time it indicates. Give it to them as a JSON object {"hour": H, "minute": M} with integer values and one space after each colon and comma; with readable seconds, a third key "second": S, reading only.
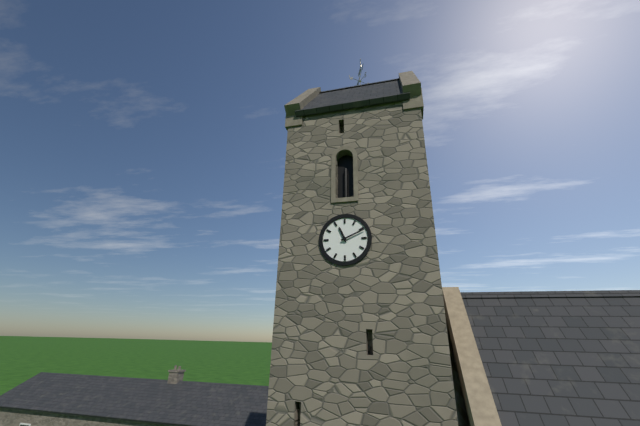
{"hour": 11, "minute": 11}
